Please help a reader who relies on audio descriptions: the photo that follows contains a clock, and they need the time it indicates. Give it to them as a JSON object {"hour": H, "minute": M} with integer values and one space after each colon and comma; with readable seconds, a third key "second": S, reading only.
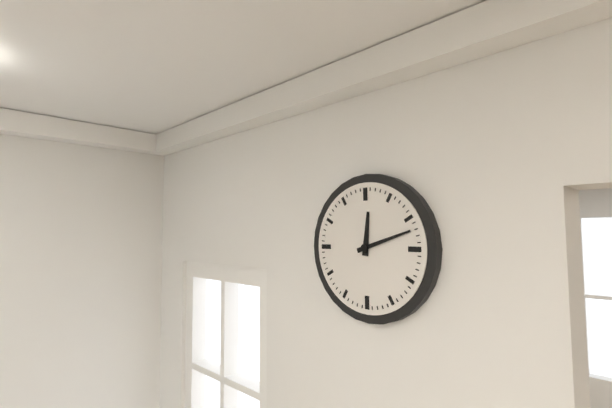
{"hour": 12, "minute": 12}
